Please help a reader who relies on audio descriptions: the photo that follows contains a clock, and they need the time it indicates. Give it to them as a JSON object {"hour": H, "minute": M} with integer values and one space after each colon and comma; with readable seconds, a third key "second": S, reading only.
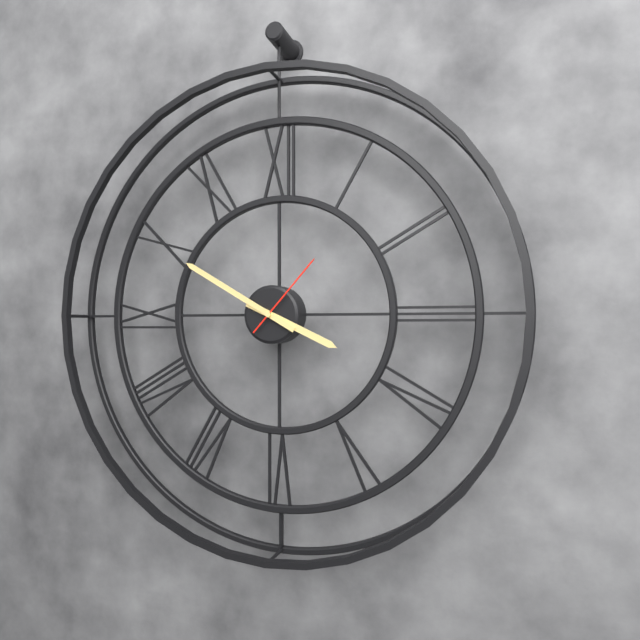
{"hour": 3, "minute": 50, "second": 7}
